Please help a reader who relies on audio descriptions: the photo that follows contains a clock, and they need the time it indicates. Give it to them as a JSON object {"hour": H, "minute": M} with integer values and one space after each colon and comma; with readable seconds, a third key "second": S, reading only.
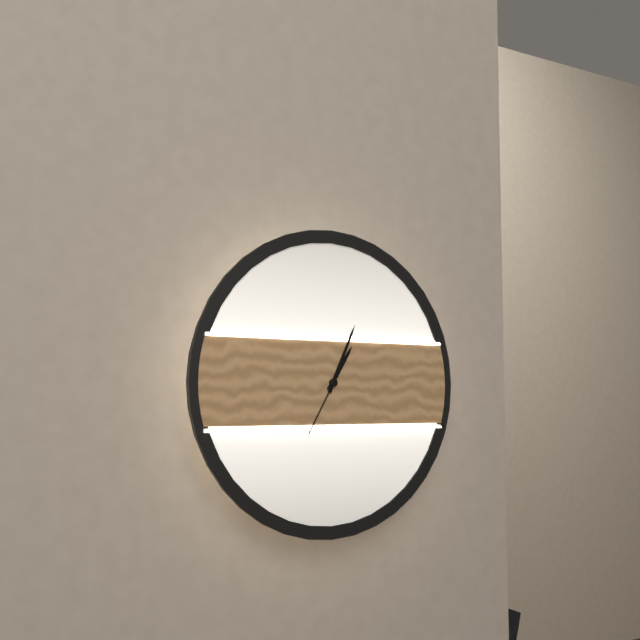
{"hour": 1, "minute": 4, "second": 35}
